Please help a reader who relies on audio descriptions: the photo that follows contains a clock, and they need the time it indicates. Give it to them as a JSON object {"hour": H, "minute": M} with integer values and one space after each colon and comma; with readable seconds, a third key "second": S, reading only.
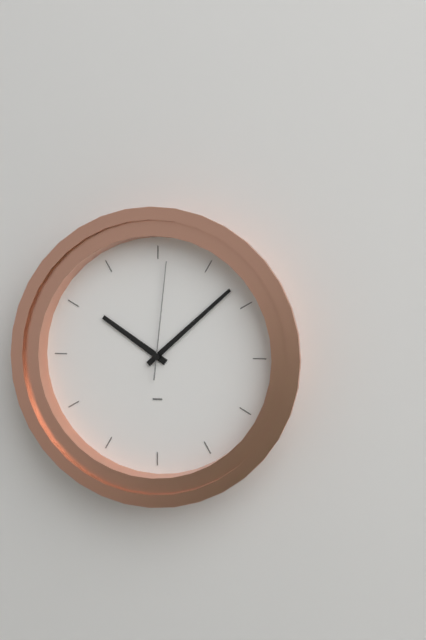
{"hour": 10, "minute": 8, "second": 1}
